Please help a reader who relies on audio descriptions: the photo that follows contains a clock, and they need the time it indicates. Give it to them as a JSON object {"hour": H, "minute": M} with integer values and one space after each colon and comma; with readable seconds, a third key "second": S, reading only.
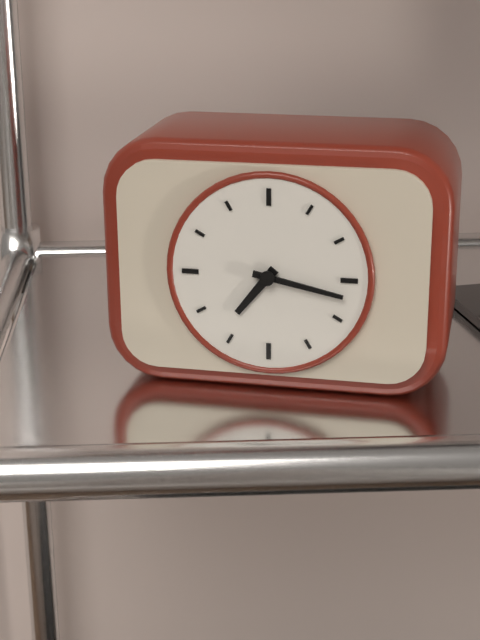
{"hour": 7, "minute": 17}
